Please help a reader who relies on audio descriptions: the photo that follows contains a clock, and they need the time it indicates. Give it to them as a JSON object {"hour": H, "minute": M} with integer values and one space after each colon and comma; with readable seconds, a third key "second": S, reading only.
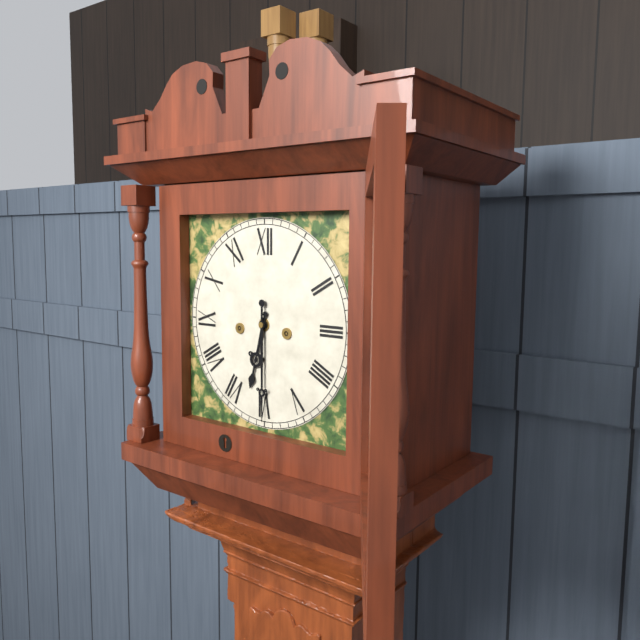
{"hour": 6, "minute": 30}
